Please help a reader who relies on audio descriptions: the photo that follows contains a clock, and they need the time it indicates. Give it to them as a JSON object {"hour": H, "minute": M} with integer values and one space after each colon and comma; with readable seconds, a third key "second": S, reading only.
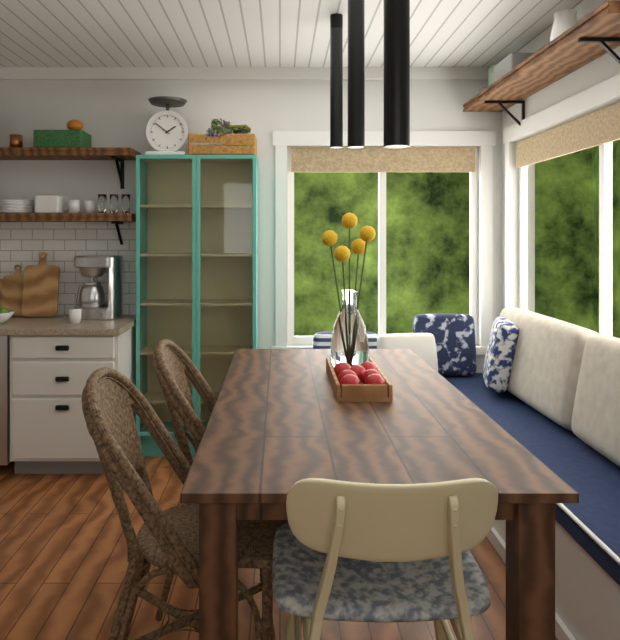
{"hour": 1, "minute": 51}
